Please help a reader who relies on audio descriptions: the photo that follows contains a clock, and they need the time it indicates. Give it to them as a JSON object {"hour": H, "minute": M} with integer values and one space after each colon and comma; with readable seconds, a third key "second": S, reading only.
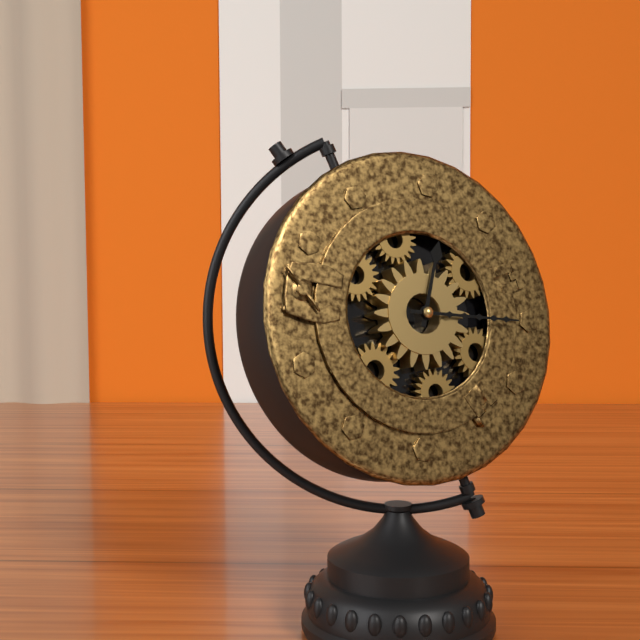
{"hour": 12, "minute": 14}
